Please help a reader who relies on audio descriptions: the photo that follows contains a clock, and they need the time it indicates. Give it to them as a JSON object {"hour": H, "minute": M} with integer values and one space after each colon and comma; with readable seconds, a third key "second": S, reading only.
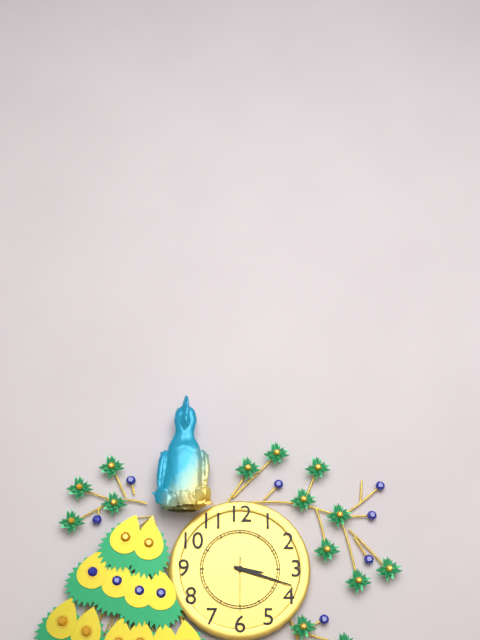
{"hour": 3, "minute": 18, "second": 30}
